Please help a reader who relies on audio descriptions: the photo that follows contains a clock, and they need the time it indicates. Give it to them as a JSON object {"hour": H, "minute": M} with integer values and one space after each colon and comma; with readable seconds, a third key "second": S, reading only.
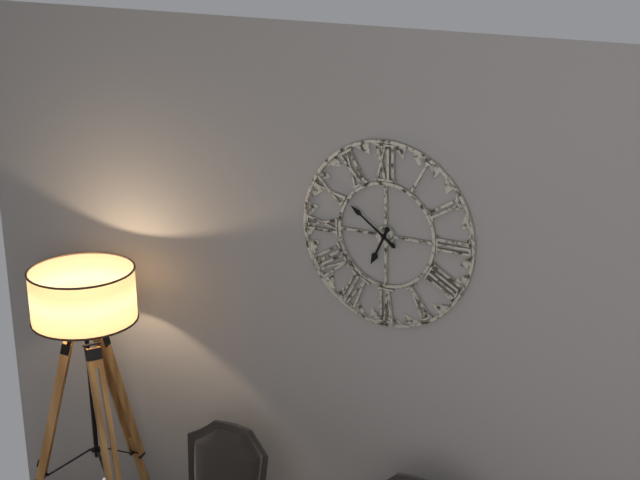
{"hour": 6, "minute": 51}
